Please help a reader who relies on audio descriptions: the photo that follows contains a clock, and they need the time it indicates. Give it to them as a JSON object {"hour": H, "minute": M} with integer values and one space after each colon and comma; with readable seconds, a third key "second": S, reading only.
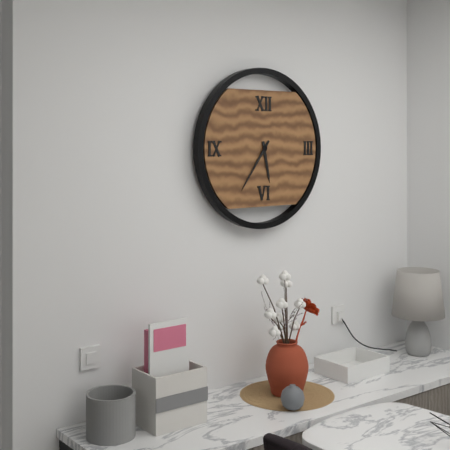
{"hour": 5, "minute": 36}
